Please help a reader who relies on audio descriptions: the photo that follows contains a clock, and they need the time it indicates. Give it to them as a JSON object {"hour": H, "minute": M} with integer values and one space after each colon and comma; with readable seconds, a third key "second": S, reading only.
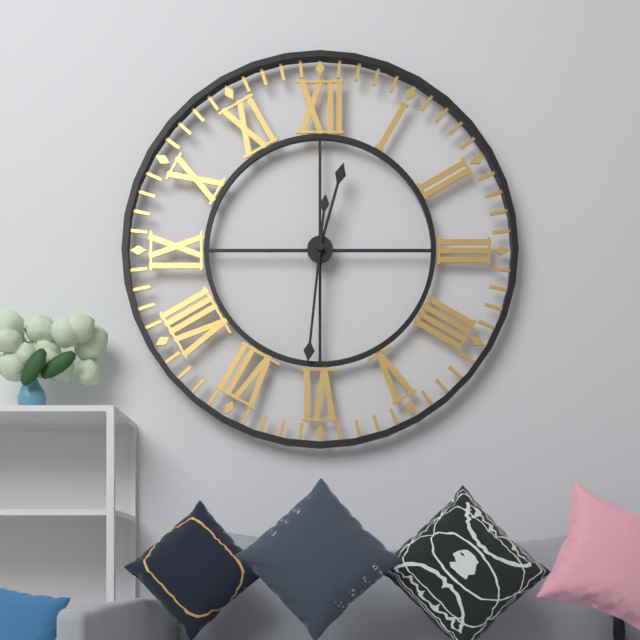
{"hour": 12, "minute": 31}
